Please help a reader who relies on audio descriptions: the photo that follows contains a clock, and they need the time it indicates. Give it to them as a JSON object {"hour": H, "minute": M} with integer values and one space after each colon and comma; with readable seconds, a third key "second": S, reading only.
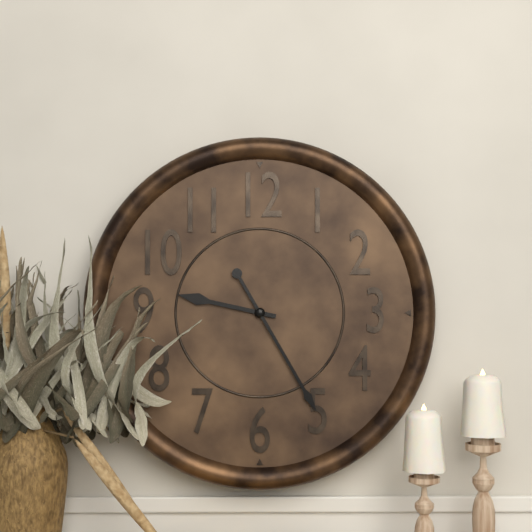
{"hour": 9, "minute": 25}
